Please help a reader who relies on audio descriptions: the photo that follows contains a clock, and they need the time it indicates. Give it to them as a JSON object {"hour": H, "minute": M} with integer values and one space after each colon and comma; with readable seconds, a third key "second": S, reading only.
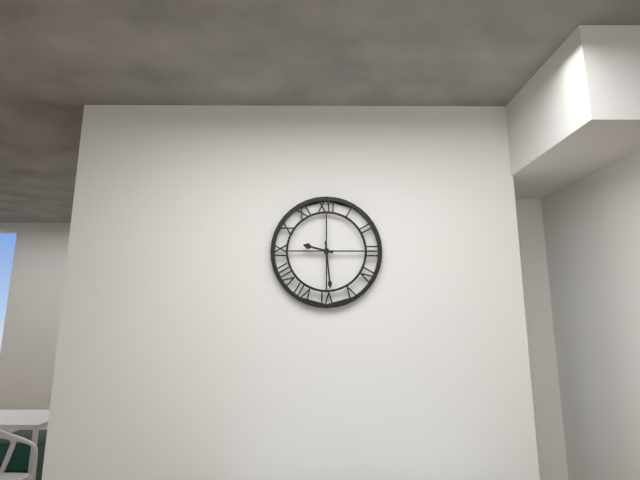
{"hour": 9, "minute": 29}
